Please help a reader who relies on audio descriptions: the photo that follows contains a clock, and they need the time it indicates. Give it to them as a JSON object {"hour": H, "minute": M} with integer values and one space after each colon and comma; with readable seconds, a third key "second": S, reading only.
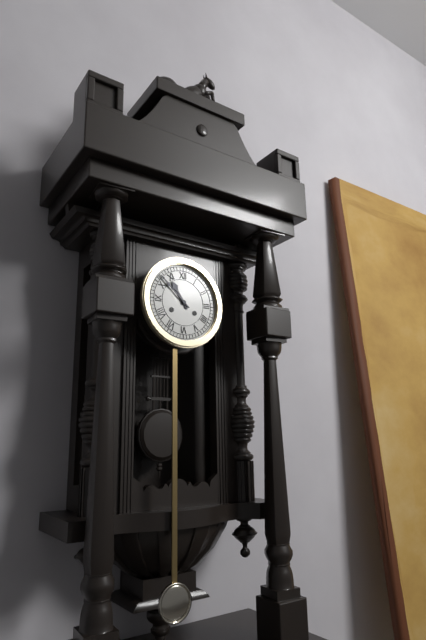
{"hour": 10, "minute": 52}
